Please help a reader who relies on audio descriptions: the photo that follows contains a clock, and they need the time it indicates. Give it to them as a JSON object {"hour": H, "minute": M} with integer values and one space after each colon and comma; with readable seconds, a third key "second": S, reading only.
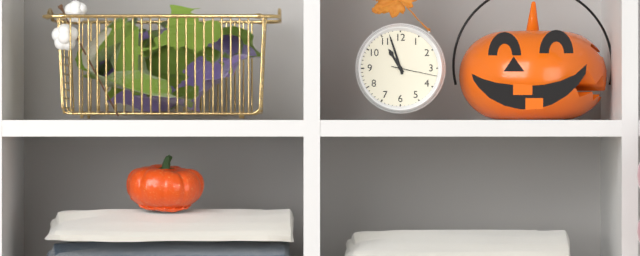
{"hour": 10, "minute": 57}
